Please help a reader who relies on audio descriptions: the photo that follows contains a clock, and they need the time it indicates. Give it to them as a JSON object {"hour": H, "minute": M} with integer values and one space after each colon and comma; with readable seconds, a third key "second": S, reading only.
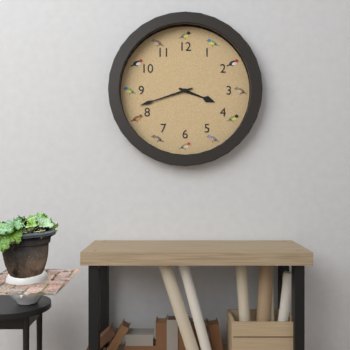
{"hour": 3, "minute": 42}
